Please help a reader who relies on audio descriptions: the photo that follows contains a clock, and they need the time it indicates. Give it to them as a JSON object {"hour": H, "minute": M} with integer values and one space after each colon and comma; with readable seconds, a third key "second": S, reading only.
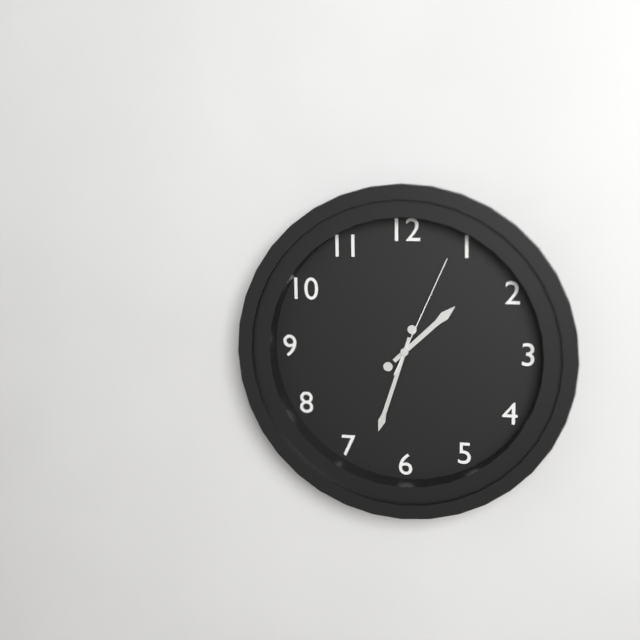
{"hour": 1, "minute": 33, "second": 4}
